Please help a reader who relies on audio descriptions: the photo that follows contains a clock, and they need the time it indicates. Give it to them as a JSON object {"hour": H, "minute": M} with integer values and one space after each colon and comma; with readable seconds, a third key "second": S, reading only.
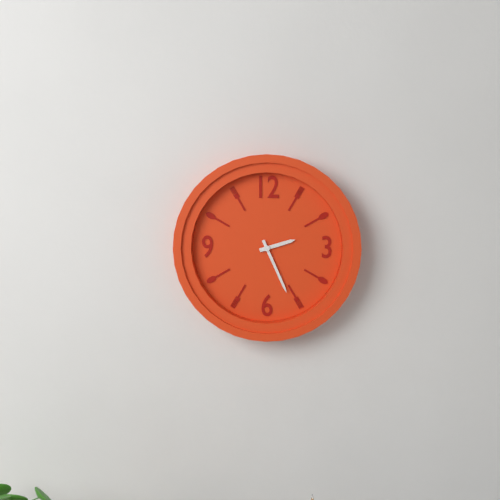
{"hour": 2, "minute": 26}
